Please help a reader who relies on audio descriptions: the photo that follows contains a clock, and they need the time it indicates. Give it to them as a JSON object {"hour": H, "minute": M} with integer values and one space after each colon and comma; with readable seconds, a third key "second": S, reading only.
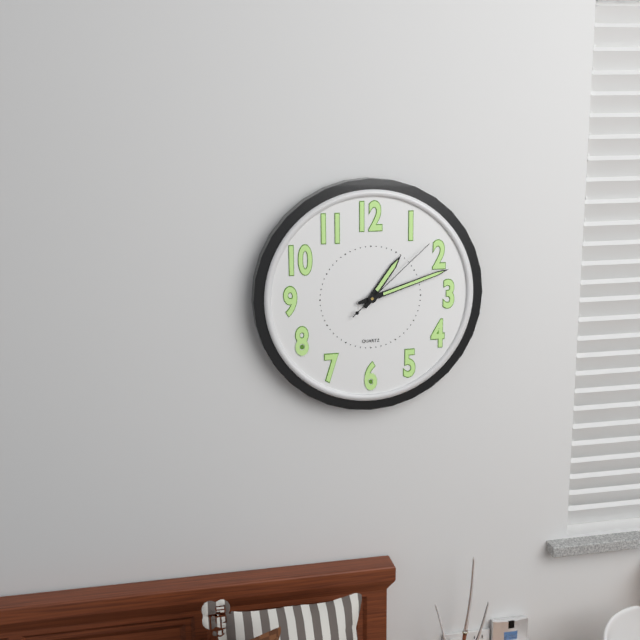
{"hour": 1, "minute": 12, "second": 8}
